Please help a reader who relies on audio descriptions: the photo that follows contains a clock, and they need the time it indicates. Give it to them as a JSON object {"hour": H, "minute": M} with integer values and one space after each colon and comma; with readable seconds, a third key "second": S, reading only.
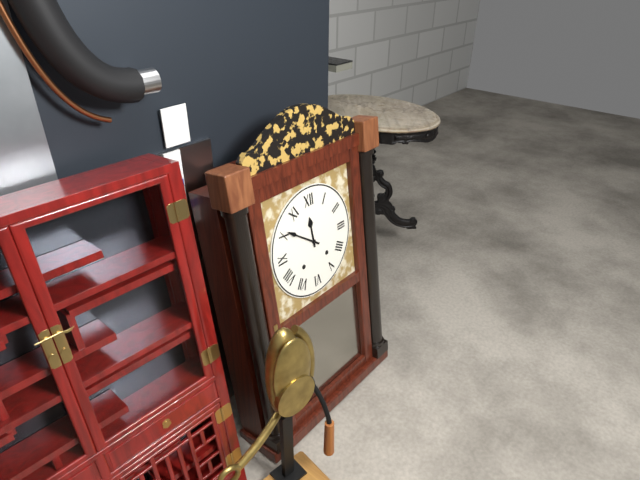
{"hour": 11, "minute": 51}
